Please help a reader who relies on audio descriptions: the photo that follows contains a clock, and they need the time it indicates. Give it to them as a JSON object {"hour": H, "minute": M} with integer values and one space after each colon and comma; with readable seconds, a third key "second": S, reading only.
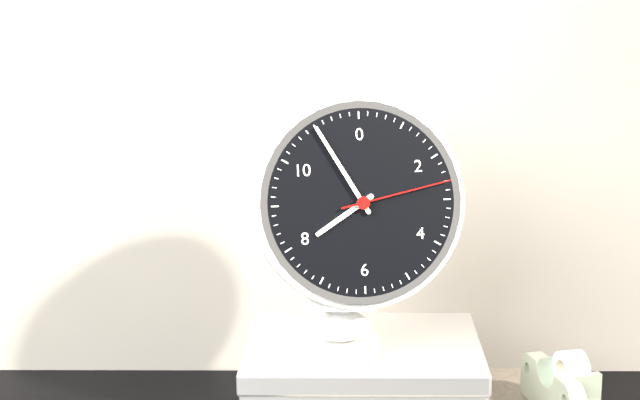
{"hour": 7, "minute": 55, "second": 13}
